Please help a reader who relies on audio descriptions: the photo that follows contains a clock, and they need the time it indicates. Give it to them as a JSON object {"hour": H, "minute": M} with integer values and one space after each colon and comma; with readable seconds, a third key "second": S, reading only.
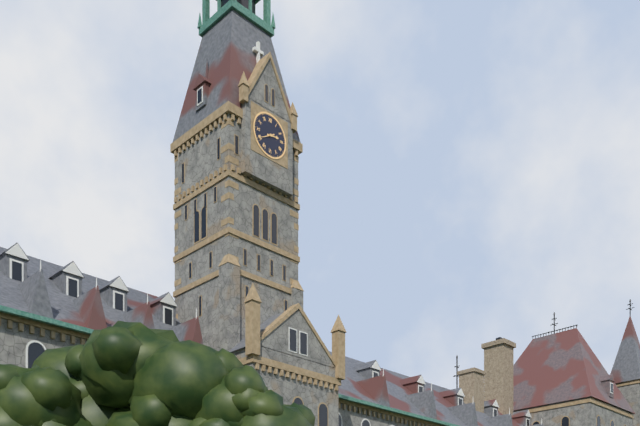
{"hour": 2, "minute": 40}
